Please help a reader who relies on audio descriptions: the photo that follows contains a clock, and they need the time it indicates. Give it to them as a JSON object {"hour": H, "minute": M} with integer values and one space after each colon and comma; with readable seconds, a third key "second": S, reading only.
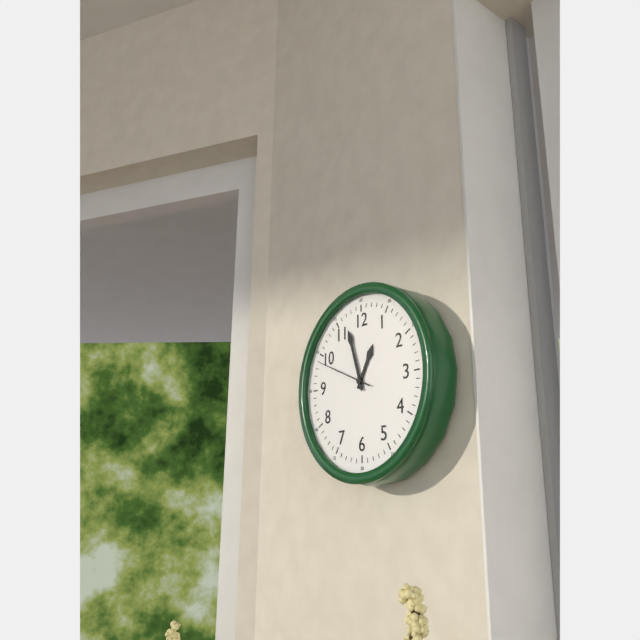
{"hour": 12, "minute": 57, "second": 49}
